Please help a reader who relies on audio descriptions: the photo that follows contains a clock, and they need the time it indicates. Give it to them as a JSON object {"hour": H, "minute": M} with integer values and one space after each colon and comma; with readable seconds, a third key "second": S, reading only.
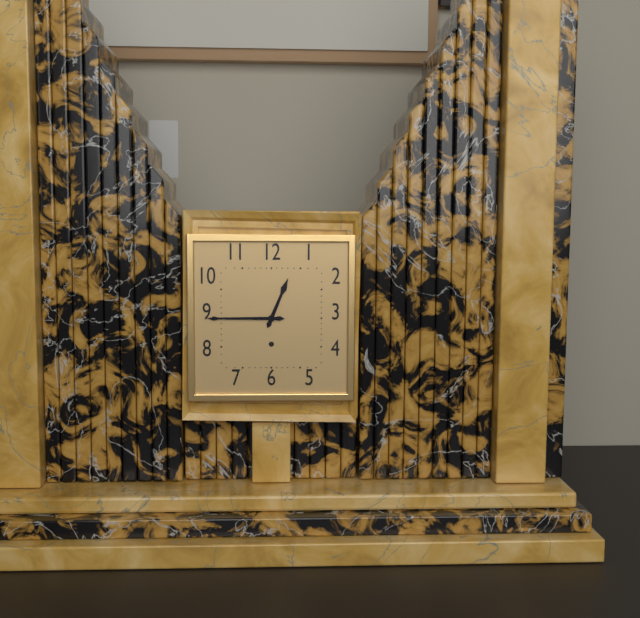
{"hour": 12, "minute": 45}
